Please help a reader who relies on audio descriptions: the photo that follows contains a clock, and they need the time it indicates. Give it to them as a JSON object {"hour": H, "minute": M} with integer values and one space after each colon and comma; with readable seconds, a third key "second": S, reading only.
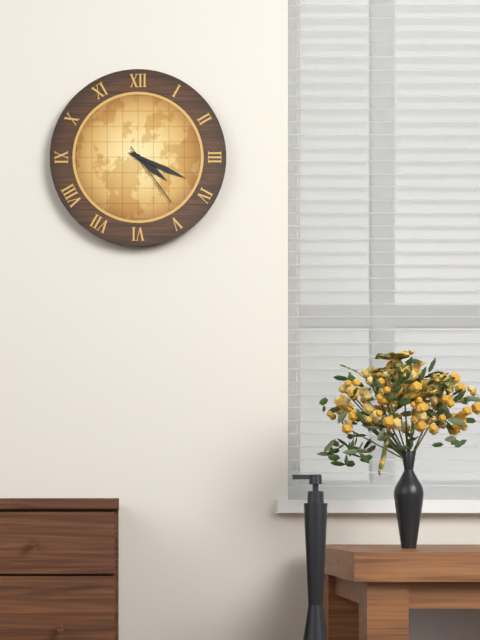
{"hour": 4, "minute": 19, "second": 24}
